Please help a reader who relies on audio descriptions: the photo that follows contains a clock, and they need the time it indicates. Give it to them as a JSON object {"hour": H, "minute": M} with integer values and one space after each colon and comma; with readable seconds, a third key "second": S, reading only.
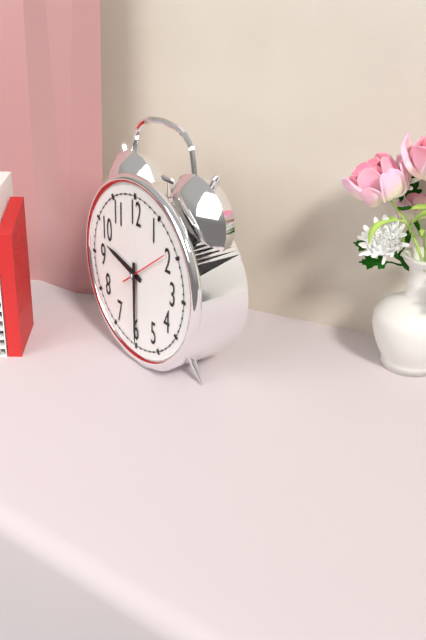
{"hour": 9, "minute": 30}
